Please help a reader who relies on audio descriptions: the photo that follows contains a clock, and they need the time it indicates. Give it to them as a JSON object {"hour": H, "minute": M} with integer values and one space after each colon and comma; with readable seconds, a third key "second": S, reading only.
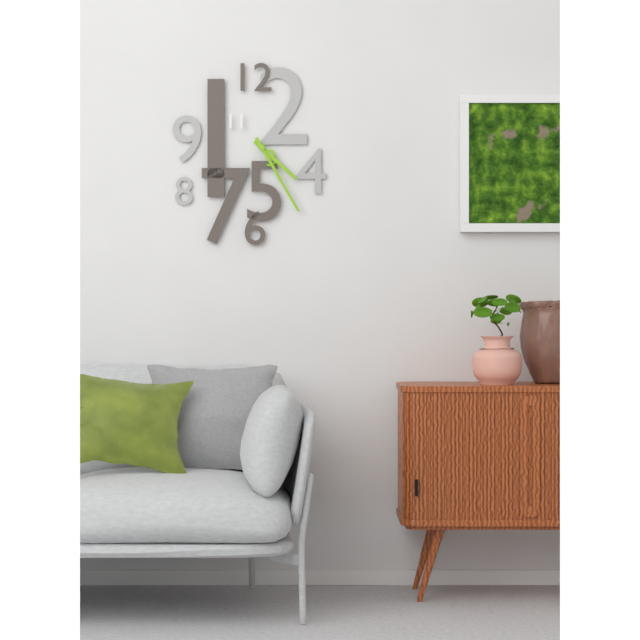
{"hour": 4, "minute": 25}
